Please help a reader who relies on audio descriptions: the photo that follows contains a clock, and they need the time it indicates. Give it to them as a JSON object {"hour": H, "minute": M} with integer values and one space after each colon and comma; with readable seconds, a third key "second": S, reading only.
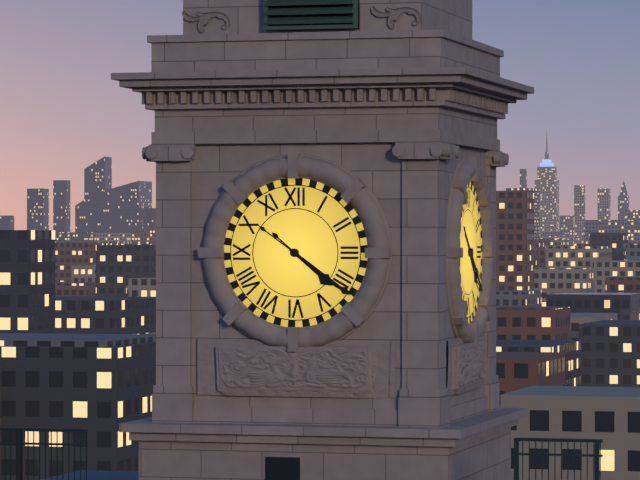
{"hour": 4, "minute": 21}
